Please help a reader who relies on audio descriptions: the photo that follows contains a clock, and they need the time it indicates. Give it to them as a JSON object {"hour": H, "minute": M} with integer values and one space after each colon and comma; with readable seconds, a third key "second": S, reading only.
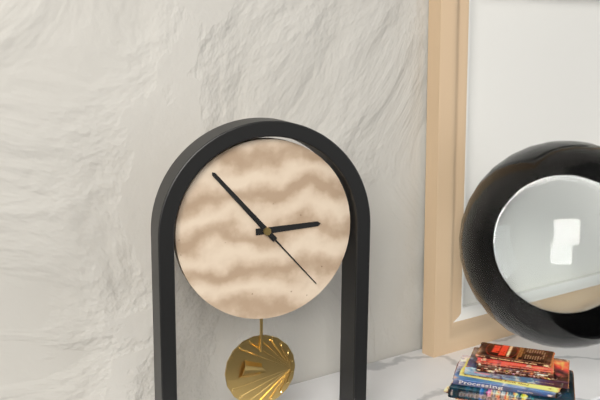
{"hour": 2, "minute": 53, "second": 23}
